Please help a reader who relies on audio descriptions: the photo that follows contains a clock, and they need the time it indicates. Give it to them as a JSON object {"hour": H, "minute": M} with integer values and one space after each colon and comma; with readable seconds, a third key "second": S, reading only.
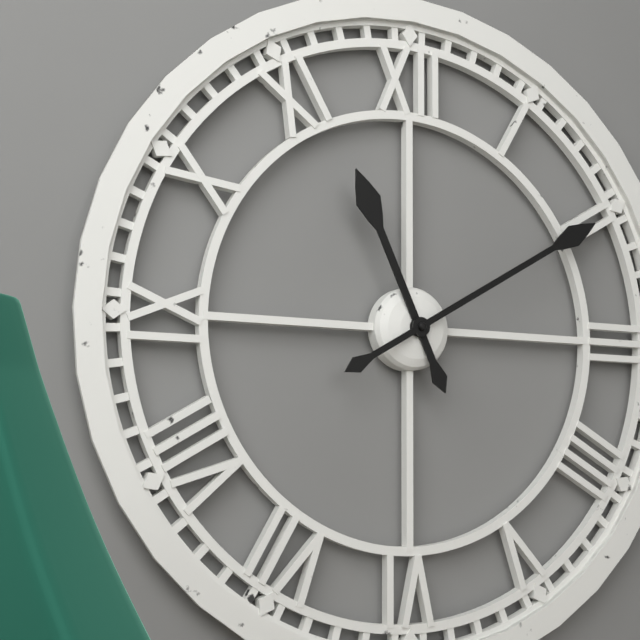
{"hour": 11, "minute": 10}
